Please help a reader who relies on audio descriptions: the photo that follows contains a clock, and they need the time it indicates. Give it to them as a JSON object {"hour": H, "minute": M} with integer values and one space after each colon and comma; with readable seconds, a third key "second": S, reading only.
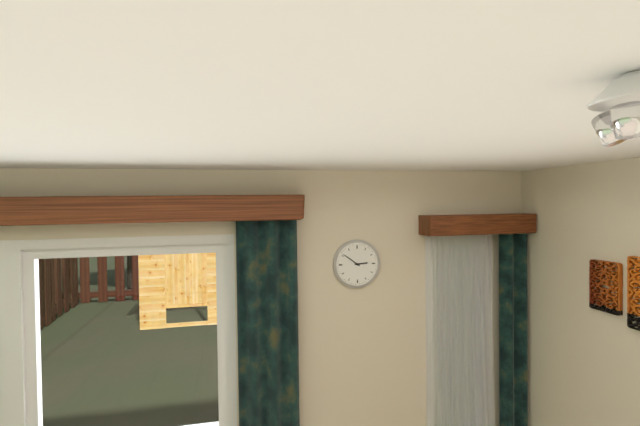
{"hour": 2, "minute": 51}
